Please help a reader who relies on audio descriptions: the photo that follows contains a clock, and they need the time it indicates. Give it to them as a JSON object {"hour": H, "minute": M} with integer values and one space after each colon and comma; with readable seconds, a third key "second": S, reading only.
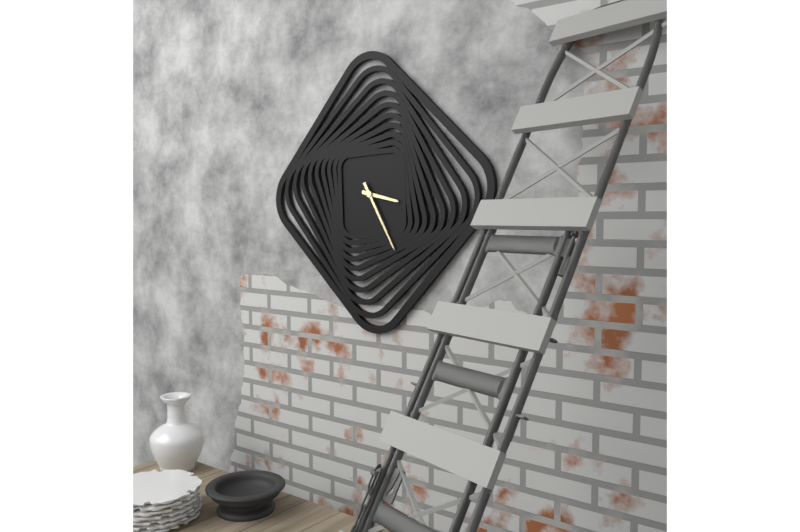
{"hour": 3, "minute": 25}
